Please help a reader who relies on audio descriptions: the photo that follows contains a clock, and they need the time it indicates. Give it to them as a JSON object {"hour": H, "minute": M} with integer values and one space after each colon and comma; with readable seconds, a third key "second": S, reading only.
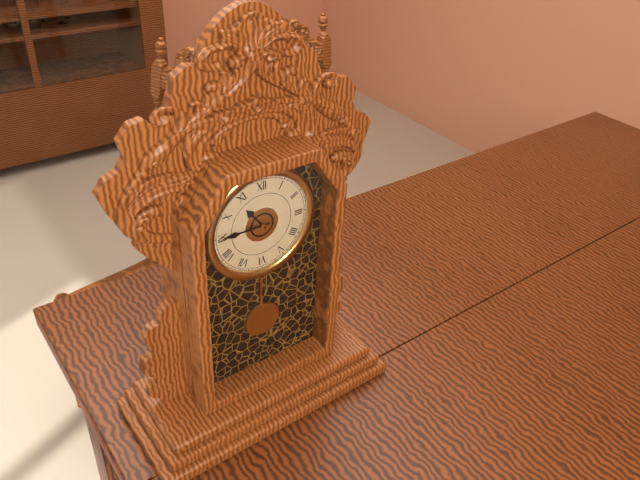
{"hour": 10, "minute": 45}
